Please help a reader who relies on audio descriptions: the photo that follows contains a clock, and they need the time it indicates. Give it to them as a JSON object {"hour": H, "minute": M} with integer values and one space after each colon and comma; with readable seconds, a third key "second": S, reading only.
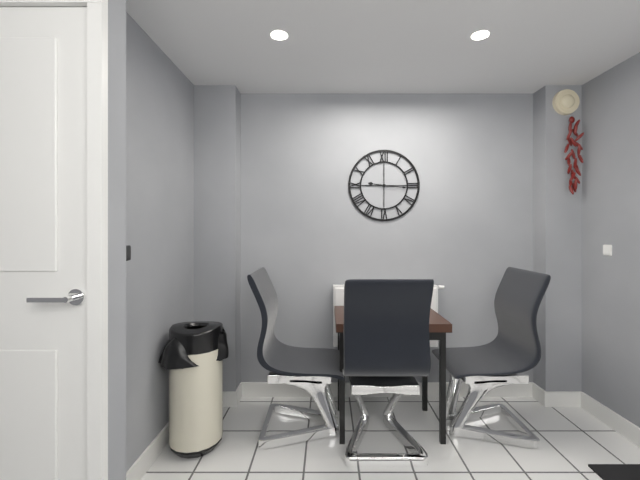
{"hour": 9, "minute": 16}
